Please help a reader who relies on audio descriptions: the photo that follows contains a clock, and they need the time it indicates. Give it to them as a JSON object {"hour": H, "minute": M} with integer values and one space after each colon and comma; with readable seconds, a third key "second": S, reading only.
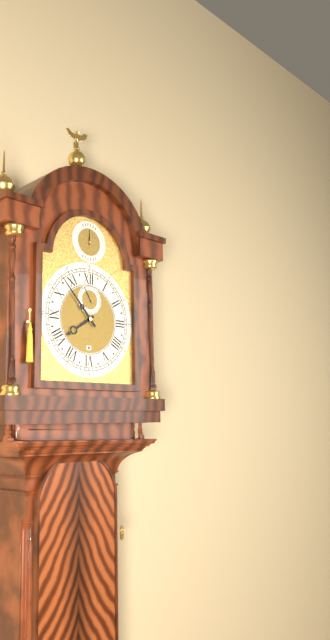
{"hour": 7, "minute": 53}
